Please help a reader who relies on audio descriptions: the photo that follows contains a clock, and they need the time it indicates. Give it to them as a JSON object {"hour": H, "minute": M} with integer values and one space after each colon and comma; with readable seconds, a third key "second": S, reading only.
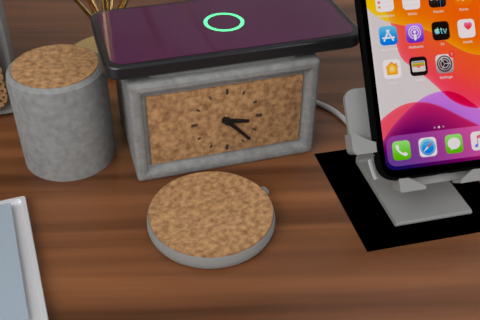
{"hour": 3, "minute": 23}
